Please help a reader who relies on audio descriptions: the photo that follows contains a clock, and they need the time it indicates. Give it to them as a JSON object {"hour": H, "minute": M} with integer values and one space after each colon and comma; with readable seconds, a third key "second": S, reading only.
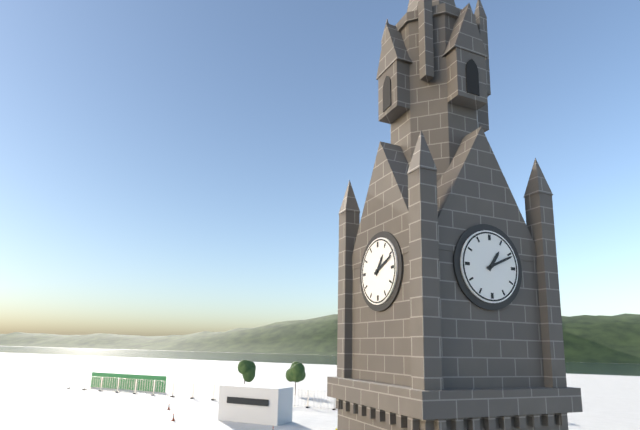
{"hour": 1, "minute": 11}
